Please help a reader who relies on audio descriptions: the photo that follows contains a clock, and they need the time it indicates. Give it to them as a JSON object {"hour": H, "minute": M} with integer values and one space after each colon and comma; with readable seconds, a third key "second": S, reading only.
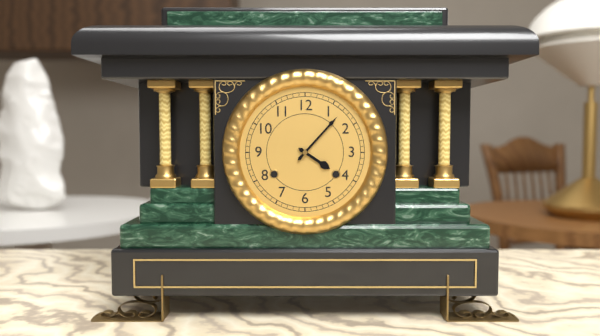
{"hour": 4, "minute": 7}
